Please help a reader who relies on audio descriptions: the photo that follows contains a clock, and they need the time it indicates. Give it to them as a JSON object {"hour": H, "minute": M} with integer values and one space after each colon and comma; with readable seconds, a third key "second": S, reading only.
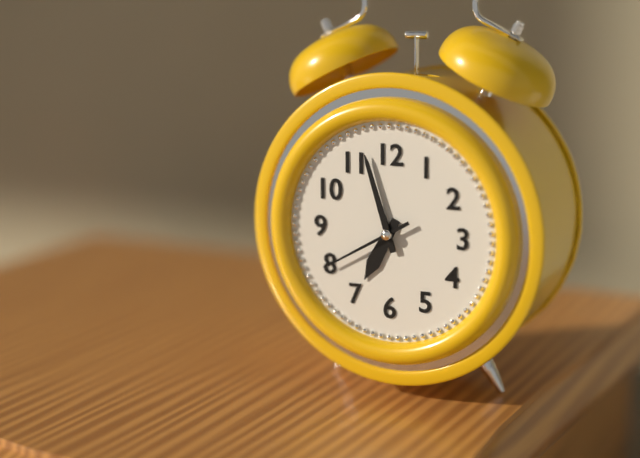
{"hour": 6, "minute": 57, "second": 40}
